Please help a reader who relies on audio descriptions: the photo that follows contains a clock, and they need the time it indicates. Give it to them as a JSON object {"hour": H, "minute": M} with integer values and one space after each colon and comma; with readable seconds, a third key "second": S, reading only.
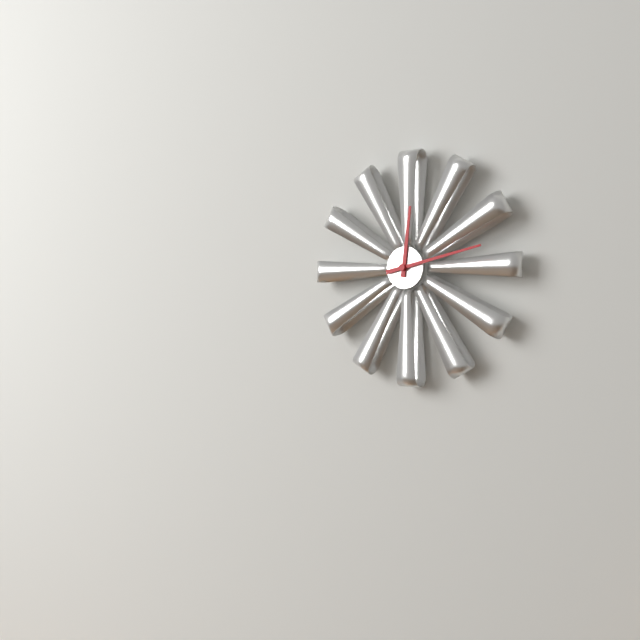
{"hour": 12, "minute": 13}
